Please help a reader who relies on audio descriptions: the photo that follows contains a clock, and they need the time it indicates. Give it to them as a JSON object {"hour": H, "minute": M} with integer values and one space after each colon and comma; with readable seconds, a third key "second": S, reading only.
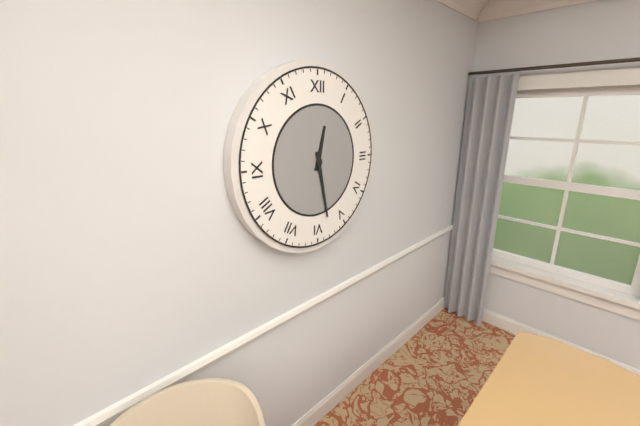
{"hour": 12, "minute": 28}
